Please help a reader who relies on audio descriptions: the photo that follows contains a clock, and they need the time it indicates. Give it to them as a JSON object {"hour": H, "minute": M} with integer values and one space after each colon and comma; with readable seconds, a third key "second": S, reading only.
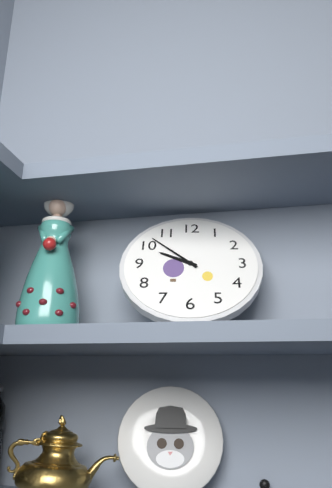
{"hour": 9, "minute": 52}
